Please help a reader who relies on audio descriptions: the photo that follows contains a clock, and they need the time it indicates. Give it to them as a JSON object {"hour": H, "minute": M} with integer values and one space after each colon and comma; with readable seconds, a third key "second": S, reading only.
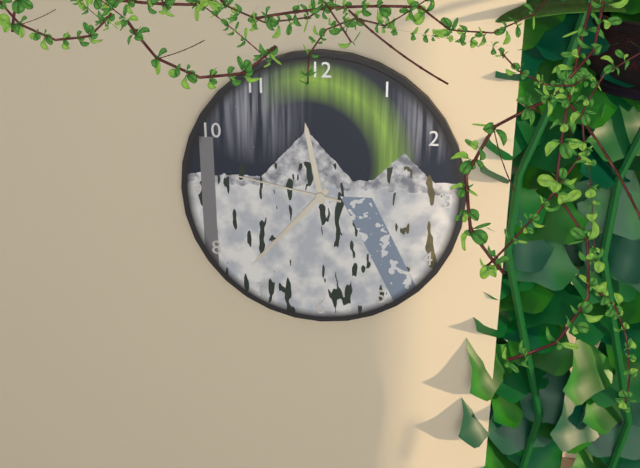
{"hour": 11, "minute": 37, "second": 47}
